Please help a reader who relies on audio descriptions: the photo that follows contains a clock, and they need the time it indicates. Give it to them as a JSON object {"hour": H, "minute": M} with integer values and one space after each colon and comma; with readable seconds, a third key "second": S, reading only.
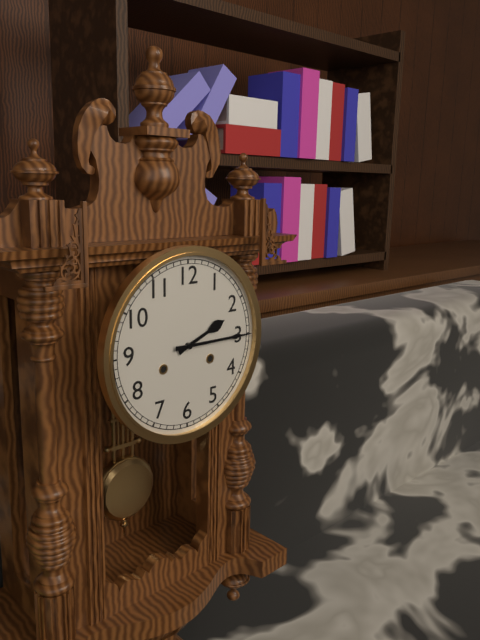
{"hour": 2, "minute": 15}
